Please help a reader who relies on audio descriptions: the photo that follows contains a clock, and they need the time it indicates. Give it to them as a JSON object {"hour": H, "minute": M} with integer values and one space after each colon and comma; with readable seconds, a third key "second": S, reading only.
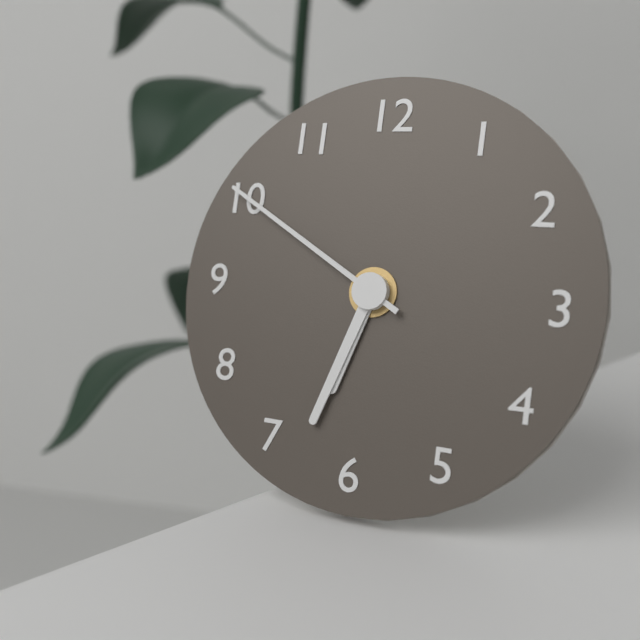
{"hour": 6, "minute": 33, "second": 50}
